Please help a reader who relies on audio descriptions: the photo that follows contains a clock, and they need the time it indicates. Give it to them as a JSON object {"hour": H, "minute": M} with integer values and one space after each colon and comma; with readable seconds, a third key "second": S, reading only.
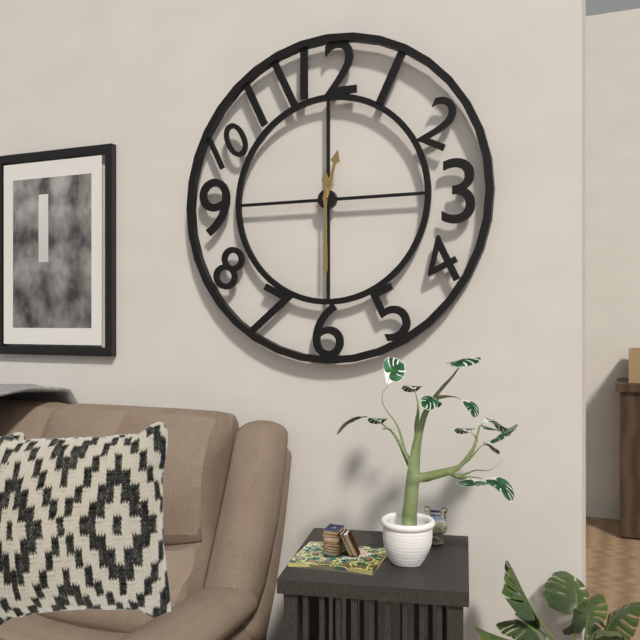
{"hour": 12, "minute": 30}
